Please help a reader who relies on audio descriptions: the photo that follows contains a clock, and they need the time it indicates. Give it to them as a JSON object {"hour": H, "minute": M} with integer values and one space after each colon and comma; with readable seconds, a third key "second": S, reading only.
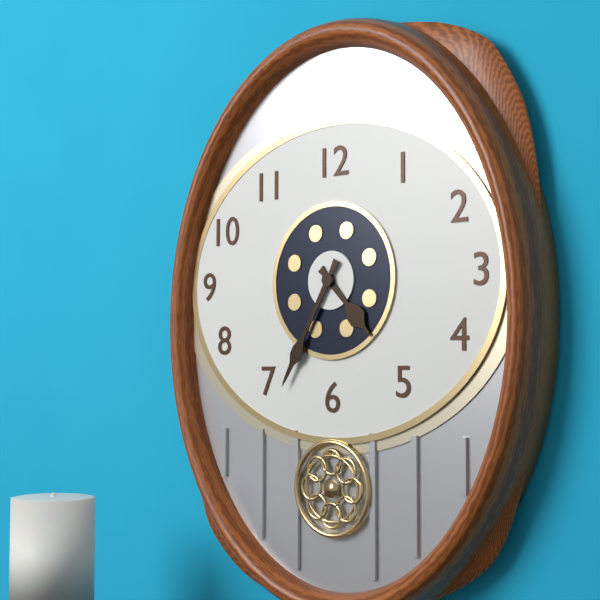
{"hour": 4, "minute": 35}
